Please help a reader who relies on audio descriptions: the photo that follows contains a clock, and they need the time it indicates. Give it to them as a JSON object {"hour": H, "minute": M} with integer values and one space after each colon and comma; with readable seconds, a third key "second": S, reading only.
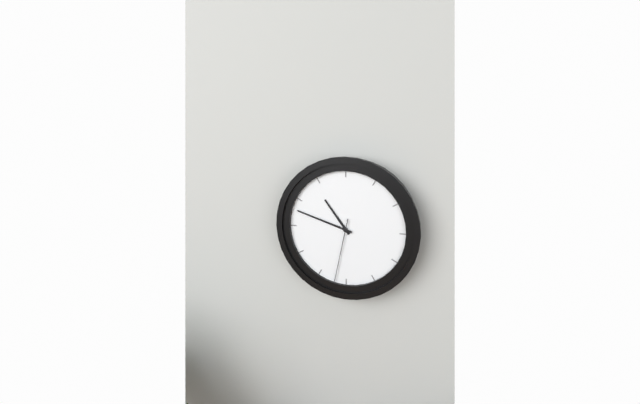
{"hour": 10, "minute": 48, "second": 32}
